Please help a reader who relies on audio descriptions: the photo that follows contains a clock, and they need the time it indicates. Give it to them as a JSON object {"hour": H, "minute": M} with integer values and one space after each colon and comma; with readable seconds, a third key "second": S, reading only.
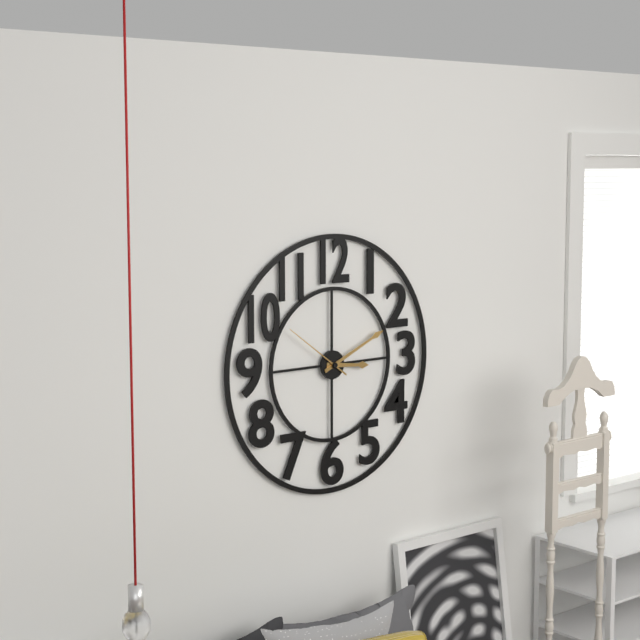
{"hour": 3, "minute": 11, "second": 51}
